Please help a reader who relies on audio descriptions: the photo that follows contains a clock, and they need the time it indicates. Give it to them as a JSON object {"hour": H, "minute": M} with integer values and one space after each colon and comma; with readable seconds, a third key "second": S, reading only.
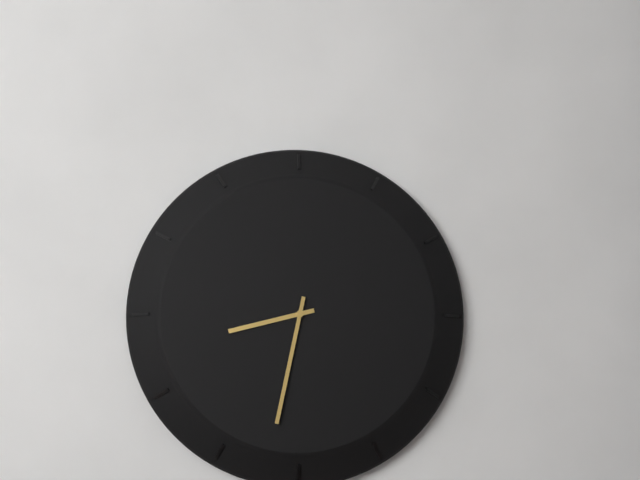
{"hour": 8, "minute": 32}
